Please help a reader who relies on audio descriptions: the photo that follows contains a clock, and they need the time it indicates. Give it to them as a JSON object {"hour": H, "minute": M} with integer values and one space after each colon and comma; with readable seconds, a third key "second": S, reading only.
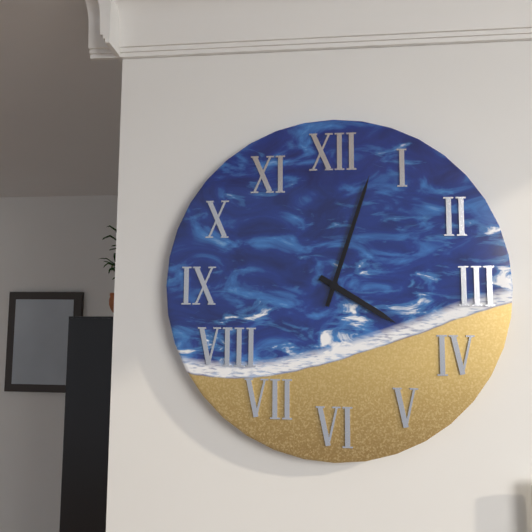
{"hour": 4, "minute": 3}
